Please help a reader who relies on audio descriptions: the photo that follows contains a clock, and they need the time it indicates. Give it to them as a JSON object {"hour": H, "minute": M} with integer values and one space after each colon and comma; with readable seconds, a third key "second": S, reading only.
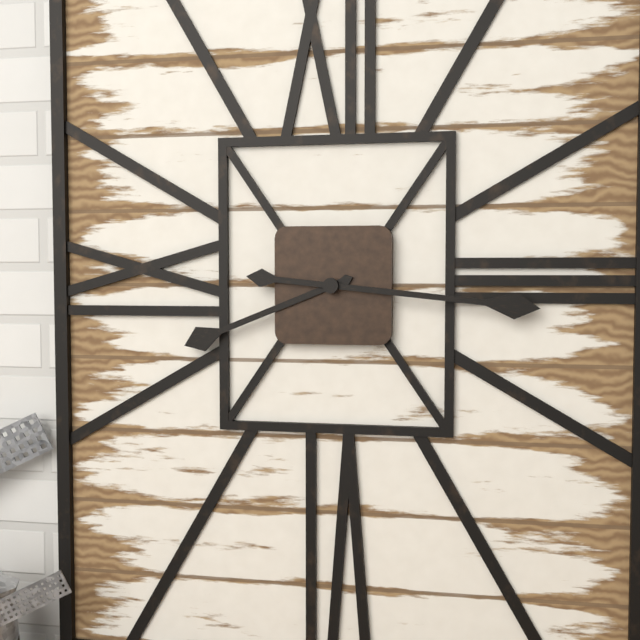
{"hour": 8, "minute": 16}
